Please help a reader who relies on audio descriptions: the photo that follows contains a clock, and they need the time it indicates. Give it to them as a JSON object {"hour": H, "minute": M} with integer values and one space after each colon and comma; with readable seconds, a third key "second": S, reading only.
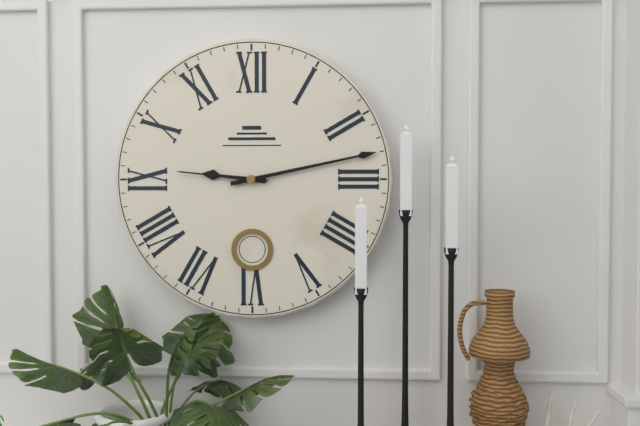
{"hour": 9, "minute": 13, "second": 46}
